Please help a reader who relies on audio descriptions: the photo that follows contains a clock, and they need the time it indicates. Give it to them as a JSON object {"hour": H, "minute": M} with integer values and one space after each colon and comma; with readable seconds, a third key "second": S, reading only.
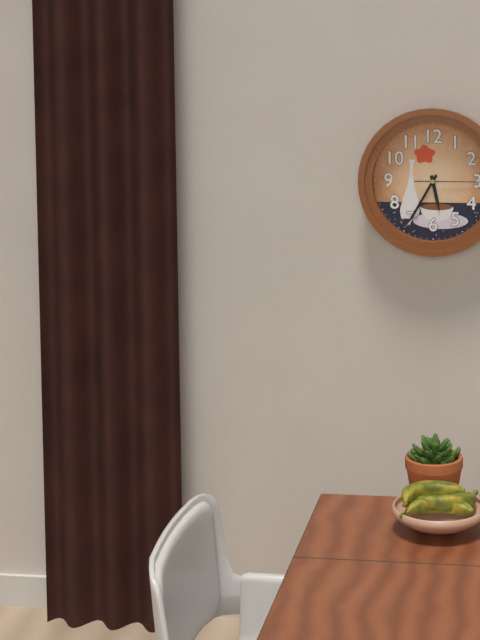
{"hour": 5, "minute": 35}
